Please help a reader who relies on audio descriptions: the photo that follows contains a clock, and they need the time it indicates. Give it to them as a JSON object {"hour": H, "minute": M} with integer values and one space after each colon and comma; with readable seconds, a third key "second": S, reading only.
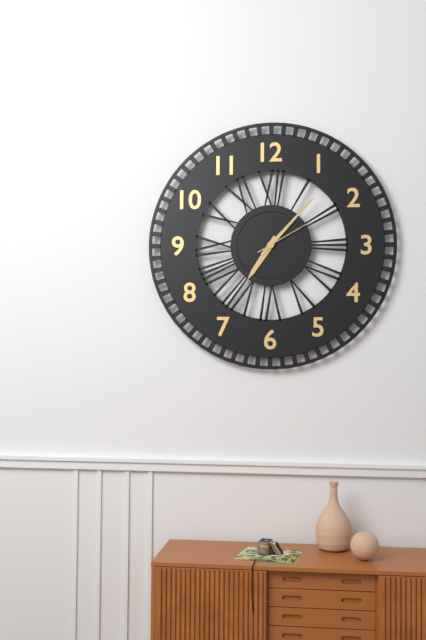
{"hour": 7, "minute": 7, "second": 10}
